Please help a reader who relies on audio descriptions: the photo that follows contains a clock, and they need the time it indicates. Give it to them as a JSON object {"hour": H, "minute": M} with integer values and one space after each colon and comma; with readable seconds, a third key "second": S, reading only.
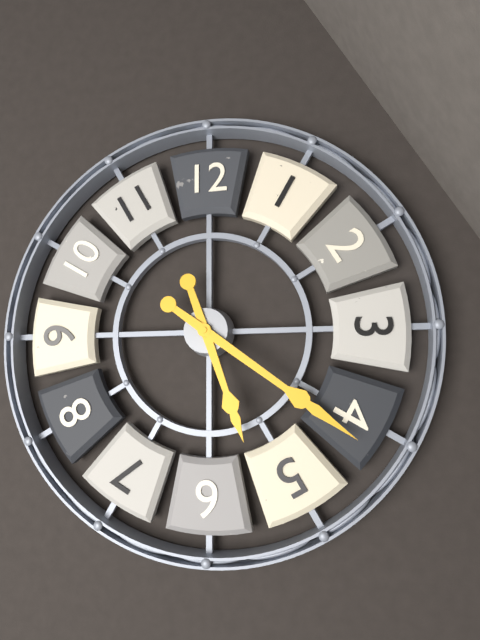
{"hour": 5, "minute": 21}
